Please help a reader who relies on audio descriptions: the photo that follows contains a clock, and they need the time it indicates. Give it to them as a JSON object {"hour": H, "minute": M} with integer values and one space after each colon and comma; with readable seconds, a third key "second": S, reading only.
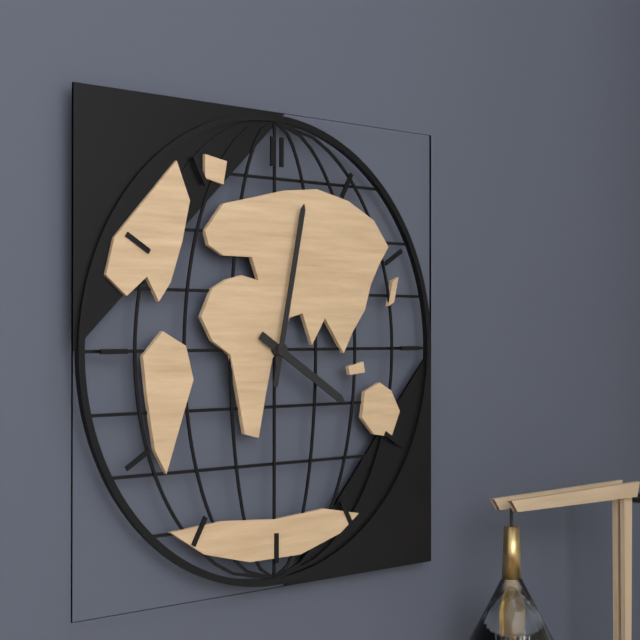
{"hour": 4, "minute": 2}
